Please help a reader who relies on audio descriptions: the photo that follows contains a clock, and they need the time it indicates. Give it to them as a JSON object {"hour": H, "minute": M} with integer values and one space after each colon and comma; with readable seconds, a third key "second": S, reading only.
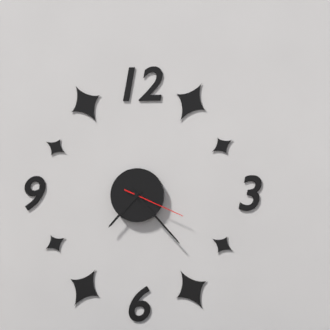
{"hour": 7, "minute": 23, "second": 19}
